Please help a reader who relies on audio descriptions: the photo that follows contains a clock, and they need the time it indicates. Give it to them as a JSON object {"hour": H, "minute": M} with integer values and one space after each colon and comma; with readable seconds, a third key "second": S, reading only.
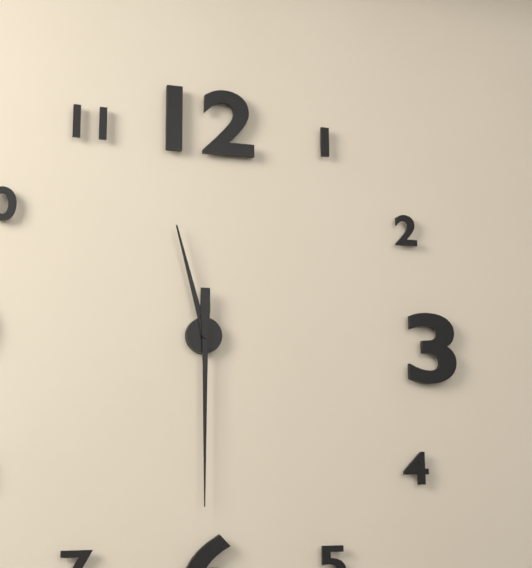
{"hour": 11, "minute": 30}
